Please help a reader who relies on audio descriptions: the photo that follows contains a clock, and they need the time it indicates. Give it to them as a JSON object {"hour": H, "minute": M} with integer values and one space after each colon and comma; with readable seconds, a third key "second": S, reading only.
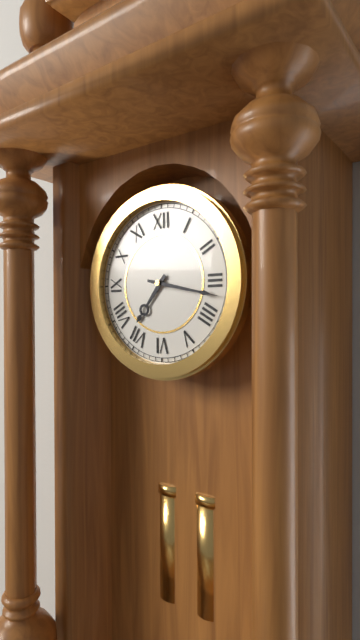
{"hour": 7, "minute": 17}
